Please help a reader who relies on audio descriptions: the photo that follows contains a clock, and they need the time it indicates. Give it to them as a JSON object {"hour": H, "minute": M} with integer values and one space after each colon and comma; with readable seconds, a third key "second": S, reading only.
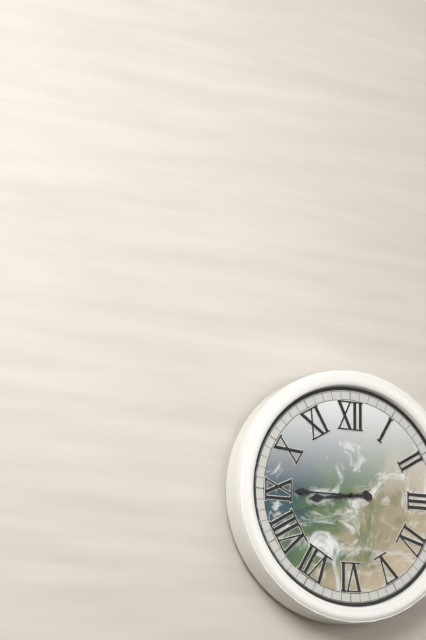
{"hour": 8, "minute": 45, "second": 42}
